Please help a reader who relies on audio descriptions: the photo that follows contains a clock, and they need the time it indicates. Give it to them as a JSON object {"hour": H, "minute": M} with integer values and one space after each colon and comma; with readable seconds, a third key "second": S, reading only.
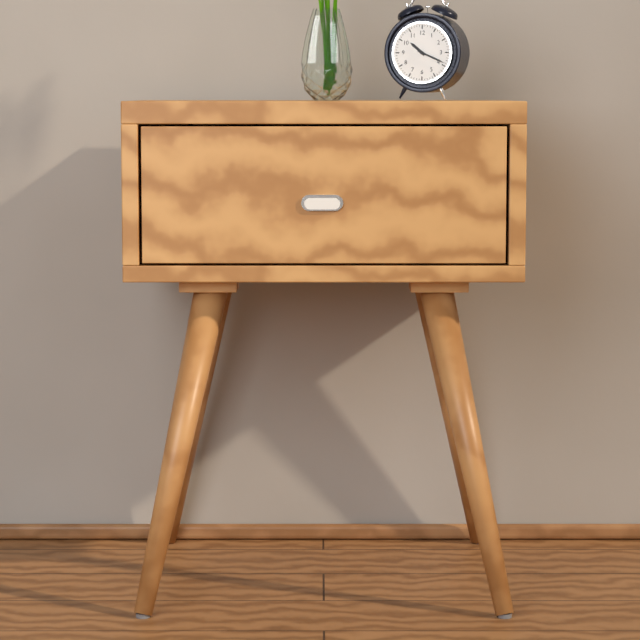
{"hour": 10, "minute": 19}
